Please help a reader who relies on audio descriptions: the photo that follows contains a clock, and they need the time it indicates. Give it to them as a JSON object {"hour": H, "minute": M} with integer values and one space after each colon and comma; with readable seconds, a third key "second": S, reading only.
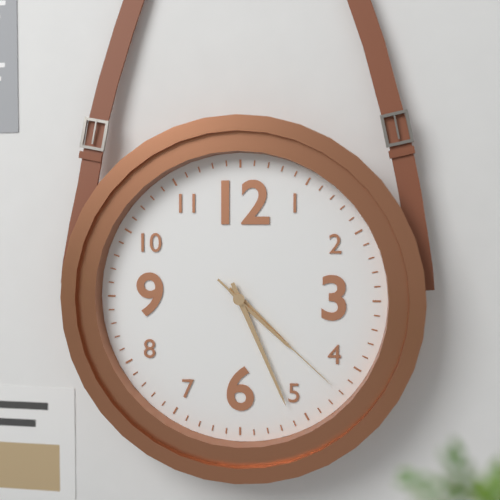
{"hour": 4, "minute": 26, "second": 22}
